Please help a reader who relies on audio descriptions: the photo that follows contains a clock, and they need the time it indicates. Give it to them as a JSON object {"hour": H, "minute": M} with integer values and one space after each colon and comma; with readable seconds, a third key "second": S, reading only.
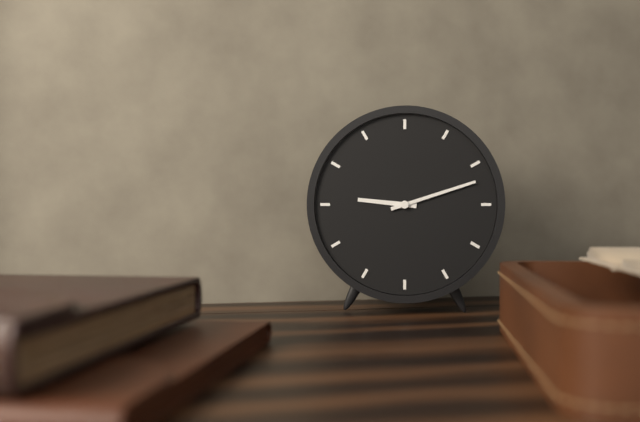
{"hour": 9, "minute": 12}
